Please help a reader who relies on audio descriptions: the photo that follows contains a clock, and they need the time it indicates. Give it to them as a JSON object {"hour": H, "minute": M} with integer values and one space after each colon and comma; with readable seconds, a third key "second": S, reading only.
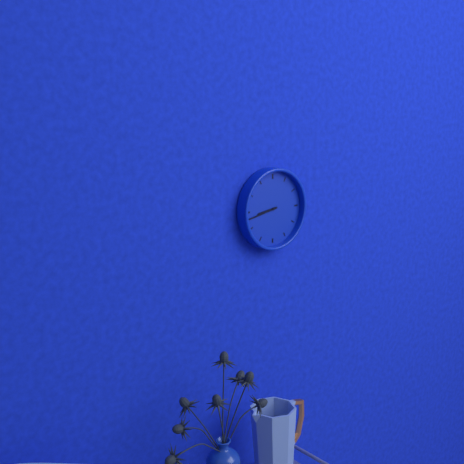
{"hour": 8, "minute": 43}
